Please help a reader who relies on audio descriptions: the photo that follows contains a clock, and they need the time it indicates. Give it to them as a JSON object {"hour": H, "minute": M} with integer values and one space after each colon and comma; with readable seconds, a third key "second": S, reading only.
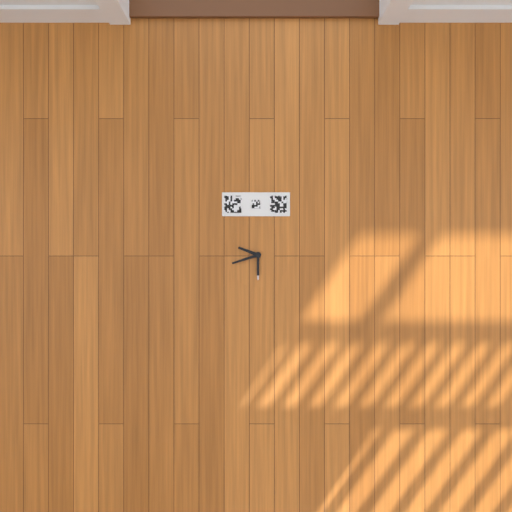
{"hour": 9, "minute": 42}
